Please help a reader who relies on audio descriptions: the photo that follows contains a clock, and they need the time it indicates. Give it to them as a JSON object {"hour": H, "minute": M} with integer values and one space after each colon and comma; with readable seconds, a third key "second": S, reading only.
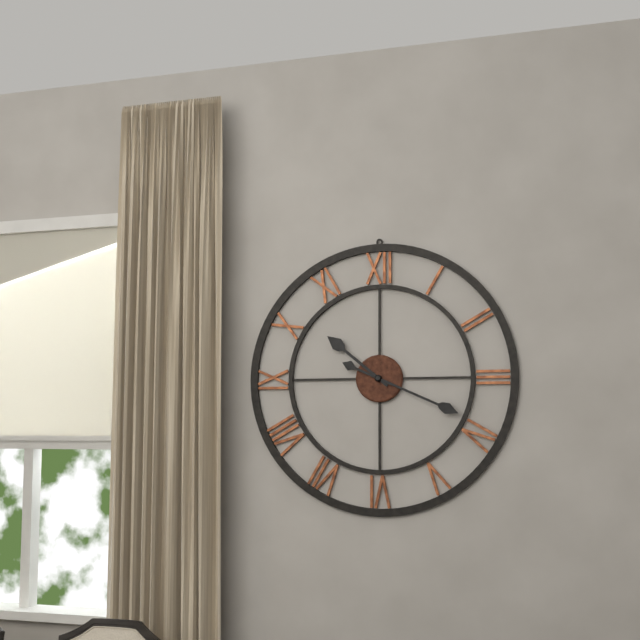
{"hour": 10, "minute": 19}
